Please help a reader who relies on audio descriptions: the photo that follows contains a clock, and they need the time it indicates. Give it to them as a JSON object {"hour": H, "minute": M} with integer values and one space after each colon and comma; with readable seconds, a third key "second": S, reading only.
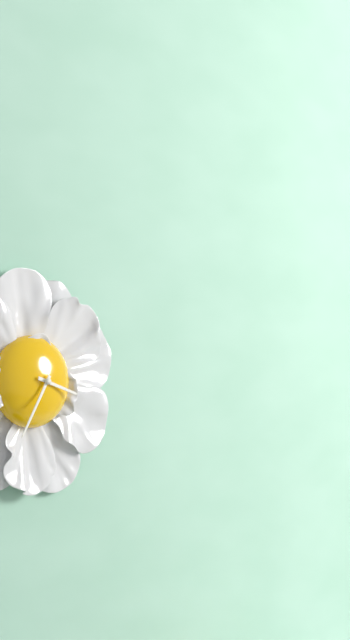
{"hour": 3, "minute": 35}
